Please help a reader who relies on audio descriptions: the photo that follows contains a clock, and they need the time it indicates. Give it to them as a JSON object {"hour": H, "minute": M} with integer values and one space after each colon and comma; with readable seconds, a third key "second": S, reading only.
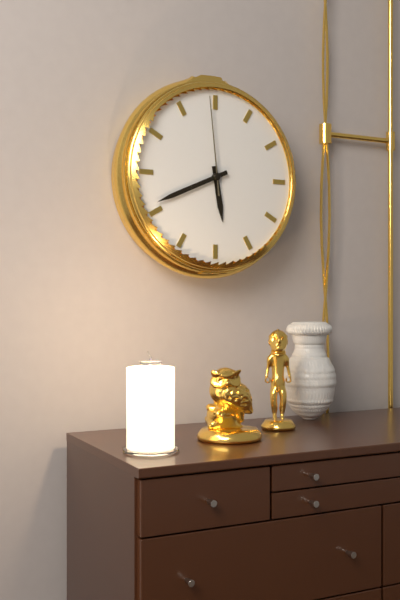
{"hour": 5, "minute": 41, "second": 59}
